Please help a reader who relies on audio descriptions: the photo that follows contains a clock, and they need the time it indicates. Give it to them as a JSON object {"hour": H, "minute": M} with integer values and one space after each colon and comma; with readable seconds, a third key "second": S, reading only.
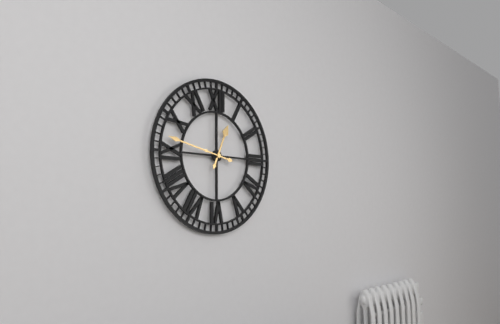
{"hour": 12, "minute": 47}
